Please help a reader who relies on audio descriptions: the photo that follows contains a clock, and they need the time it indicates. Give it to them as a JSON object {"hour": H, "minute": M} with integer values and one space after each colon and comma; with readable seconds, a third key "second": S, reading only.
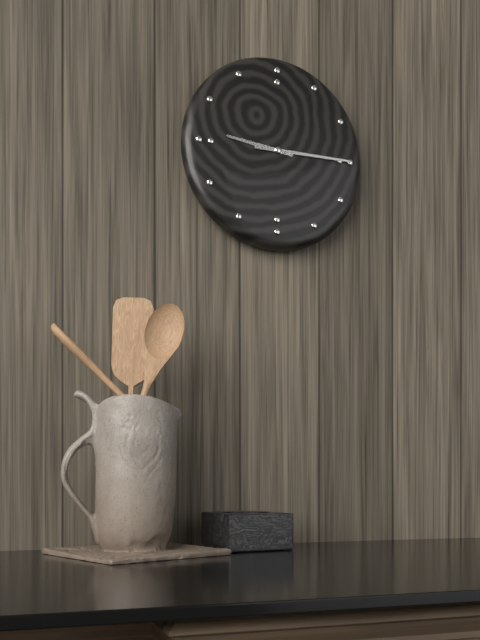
{"hour": 9, "minute": 15}
